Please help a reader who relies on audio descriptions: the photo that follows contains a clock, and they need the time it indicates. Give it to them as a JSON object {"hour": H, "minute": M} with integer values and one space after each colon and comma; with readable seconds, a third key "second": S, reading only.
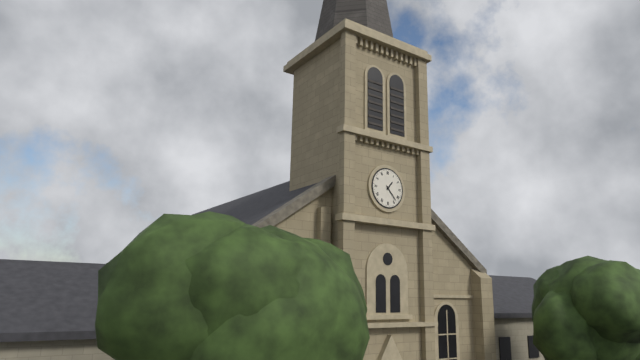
{"hour": 1, "minute": 23}
